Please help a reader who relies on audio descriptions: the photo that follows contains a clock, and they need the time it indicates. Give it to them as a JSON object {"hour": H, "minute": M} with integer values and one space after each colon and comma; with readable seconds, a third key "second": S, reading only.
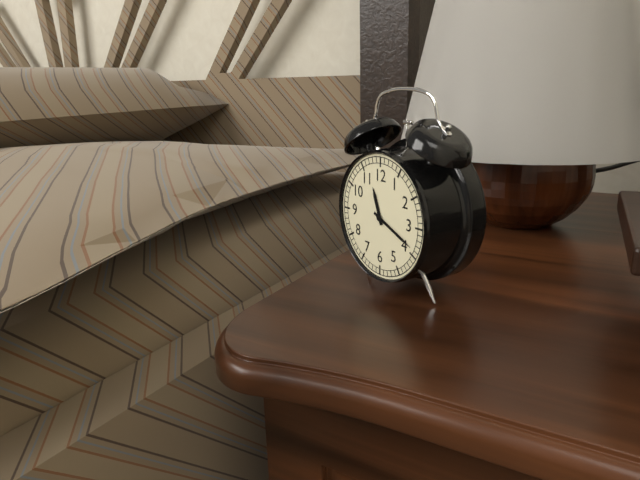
{"hour": 11, "minute": 19}
